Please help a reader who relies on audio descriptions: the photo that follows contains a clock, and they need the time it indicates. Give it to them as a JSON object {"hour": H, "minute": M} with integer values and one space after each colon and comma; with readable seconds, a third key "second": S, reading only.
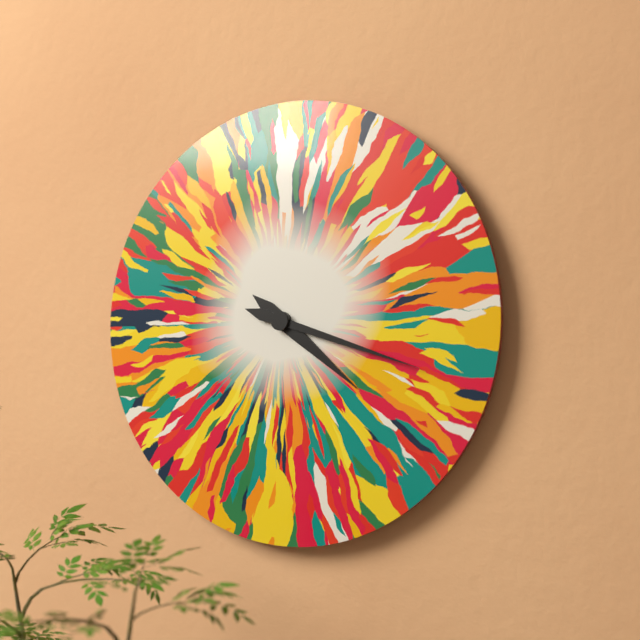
{"hour": 4, "minute": 18}
